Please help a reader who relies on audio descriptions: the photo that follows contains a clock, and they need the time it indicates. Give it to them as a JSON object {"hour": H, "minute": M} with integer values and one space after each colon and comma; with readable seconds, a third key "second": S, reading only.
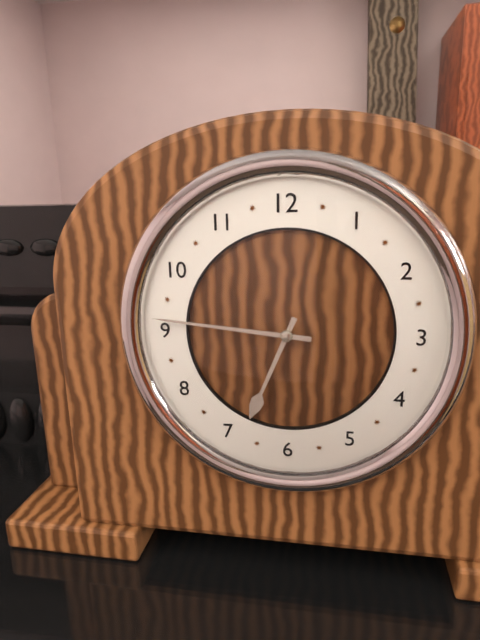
{"hour": 6, "minute": 46}
